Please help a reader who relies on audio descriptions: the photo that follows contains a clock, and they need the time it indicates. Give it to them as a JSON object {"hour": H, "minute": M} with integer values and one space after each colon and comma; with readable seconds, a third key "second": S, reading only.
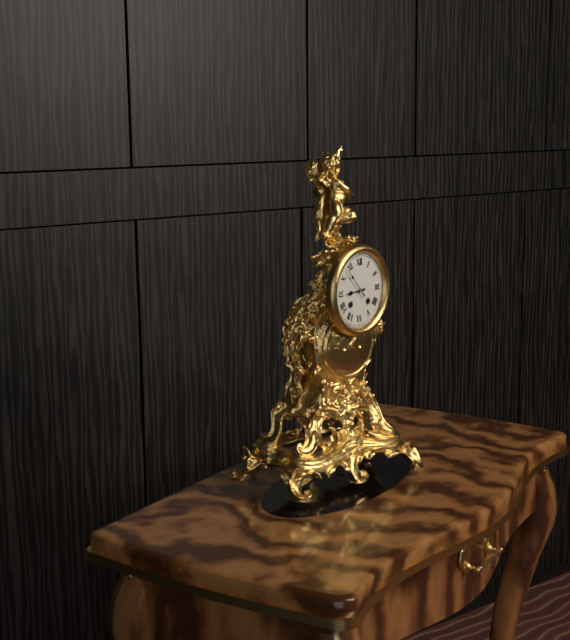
{"hour": 8, "minute": 53}
